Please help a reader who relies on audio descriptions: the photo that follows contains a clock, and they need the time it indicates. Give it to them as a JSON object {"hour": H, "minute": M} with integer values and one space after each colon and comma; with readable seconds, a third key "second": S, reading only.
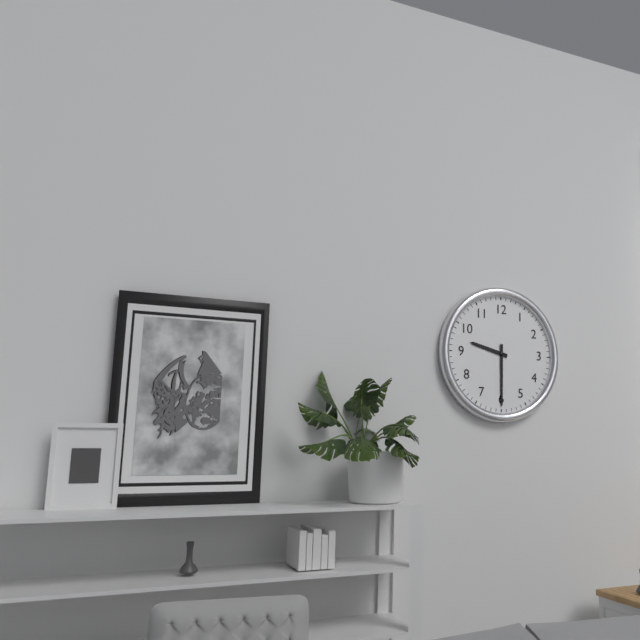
{"hour": 9, "minute": 30}
